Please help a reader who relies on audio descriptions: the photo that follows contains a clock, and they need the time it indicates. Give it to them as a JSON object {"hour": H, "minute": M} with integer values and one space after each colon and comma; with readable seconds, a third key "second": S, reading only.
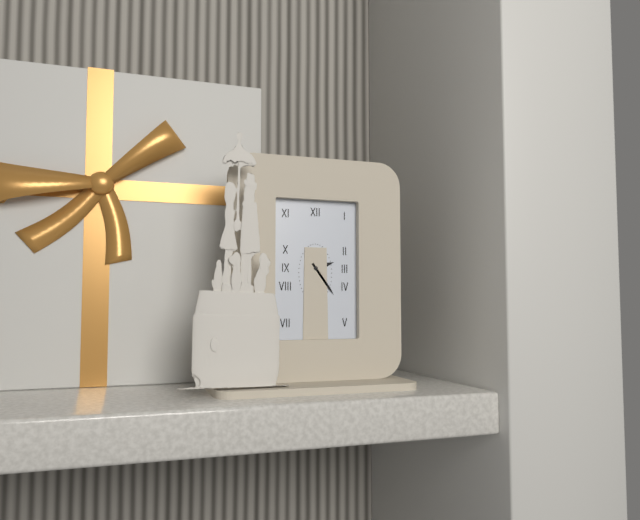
{"hour": 2, "minute": 24}
